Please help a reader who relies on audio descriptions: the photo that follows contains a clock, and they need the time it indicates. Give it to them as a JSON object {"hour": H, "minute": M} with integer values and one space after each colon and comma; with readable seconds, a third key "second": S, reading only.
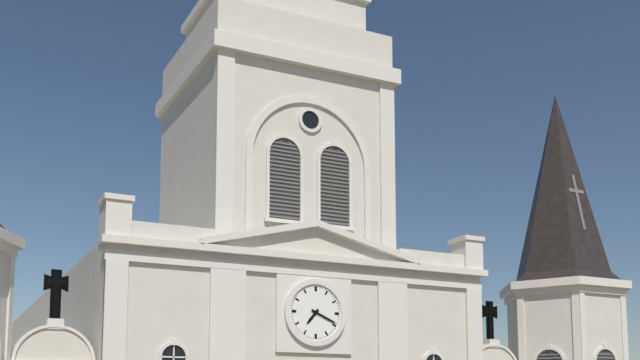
{"hour": 7, "minute": 19}
